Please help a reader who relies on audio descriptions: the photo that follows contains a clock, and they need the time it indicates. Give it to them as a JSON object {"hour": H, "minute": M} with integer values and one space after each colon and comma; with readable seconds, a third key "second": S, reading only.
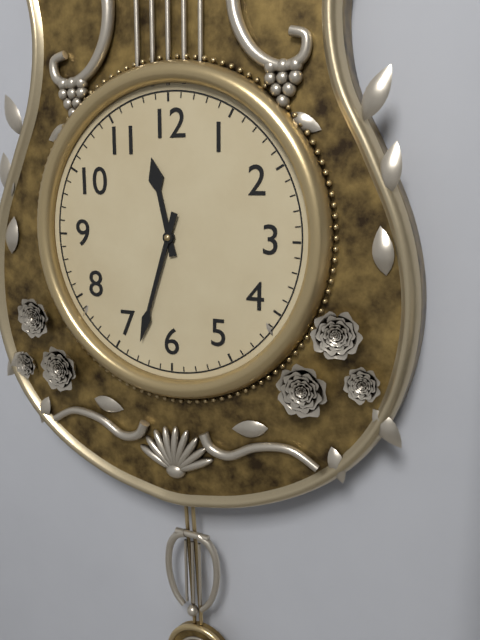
{"hour": 11, "minute": 33}
